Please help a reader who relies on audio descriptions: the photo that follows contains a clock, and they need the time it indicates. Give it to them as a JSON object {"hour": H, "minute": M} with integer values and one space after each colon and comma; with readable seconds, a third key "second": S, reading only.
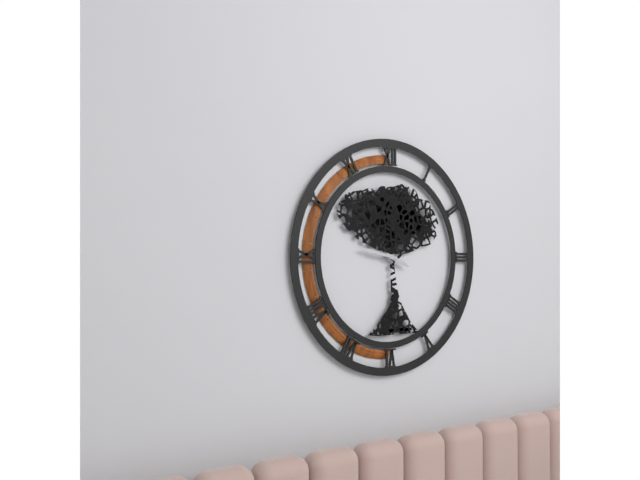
{"hour": 3, "minute": 47}
